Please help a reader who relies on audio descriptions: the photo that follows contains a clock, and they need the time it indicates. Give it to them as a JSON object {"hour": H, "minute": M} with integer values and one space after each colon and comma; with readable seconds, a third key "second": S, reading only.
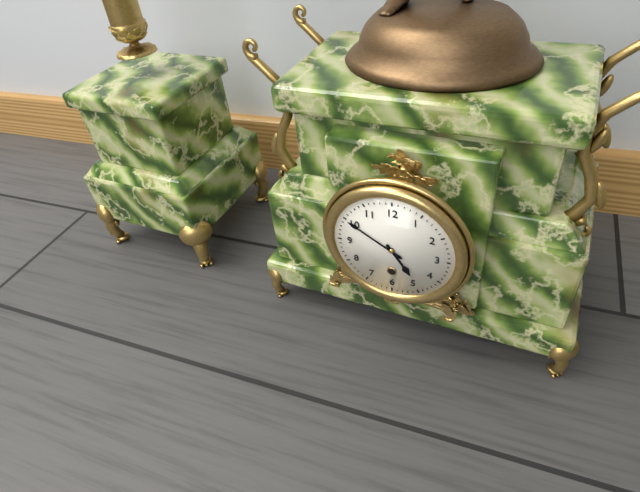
{"hour": 4, "minute": 50}
